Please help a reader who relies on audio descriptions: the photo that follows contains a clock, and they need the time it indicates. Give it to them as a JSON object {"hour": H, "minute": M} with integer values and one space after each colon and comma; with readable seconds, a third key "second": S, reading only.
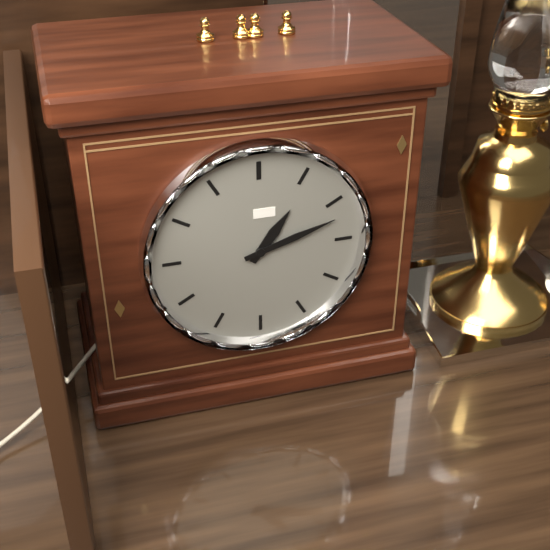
{"hour": 1, "minute": 12}
